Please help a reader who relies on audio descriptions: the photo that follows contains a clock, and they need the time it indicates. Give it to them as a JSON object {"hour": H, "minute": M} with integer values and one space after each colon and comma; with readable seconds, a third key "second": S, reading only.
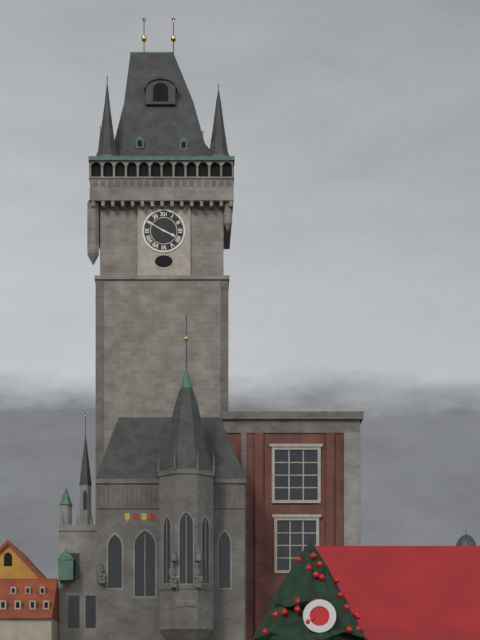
{"hour": 3, "minute": 50}
